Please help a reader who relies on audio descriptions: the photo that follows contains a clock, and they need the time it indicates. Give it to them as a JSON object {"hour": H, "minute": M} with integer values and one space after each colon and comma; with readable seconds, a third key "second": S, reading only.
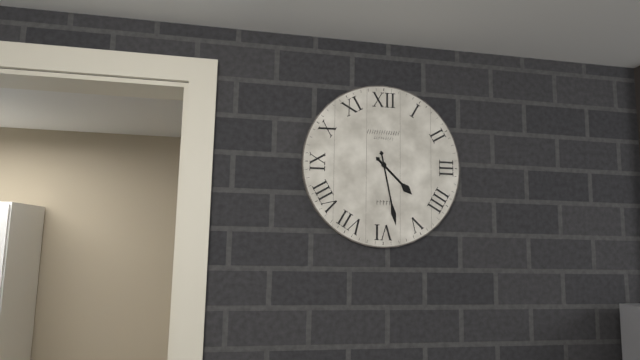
{"hour": 4, "minute": 28}
